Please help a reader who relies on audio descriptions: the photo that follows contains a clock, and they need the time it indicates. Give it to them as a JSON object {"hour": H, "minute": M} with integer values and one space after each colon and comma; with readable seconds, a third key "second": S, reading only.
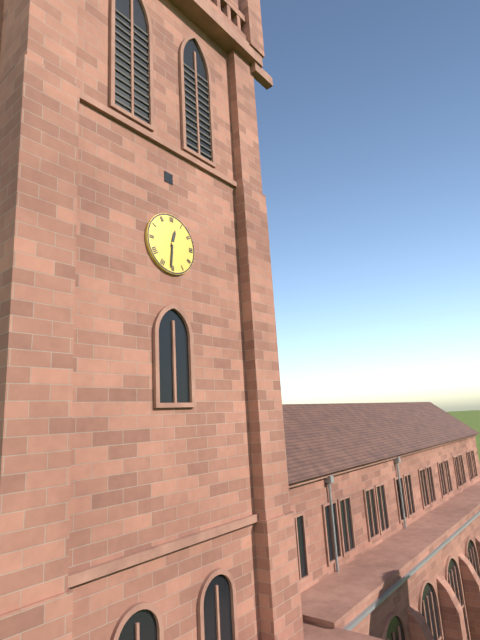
{"hour": 12, "minute": 31}
